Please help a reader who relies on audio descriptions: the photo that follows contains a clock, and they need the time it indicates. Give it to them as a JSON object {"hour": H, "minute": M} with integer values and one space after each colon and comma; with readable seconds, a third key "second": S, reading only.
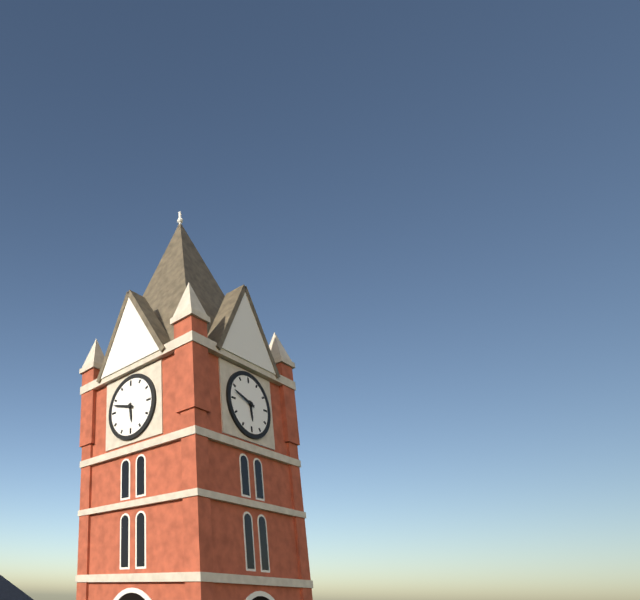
{"hour": 5, "minute": 48}
